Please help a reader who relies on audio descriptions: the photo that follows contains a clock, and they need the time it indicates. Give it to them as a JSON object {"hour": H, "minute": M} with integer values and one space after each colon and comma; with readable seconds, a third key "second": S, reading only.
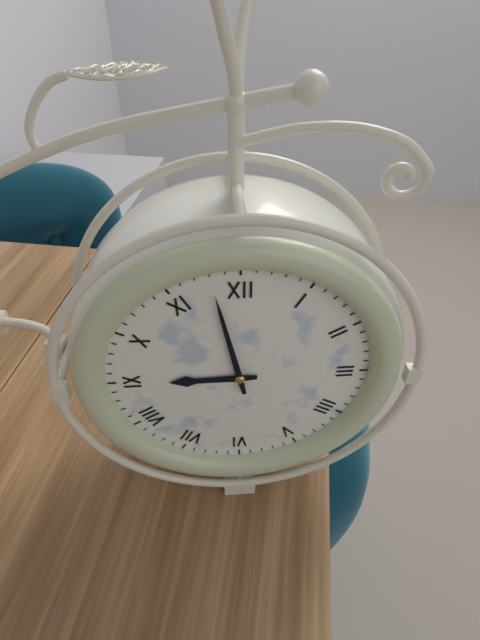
{"hour": 8, "minute": 58}
